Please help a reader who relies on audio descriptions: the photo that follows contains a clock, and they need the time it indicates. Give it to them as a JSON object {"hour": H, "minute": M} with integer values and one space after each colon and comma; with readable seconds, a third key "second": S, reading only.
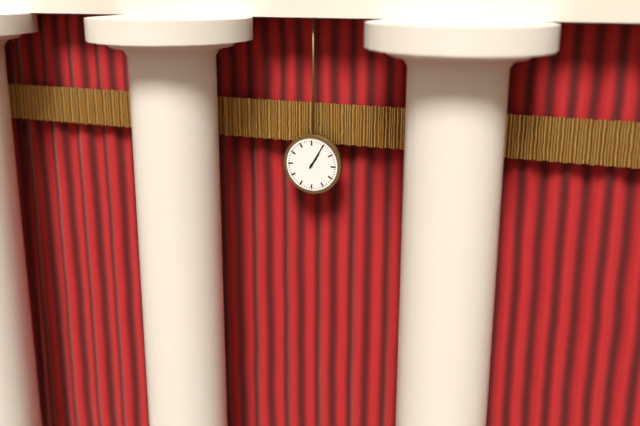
{"hour": 1, "minute": 5}
